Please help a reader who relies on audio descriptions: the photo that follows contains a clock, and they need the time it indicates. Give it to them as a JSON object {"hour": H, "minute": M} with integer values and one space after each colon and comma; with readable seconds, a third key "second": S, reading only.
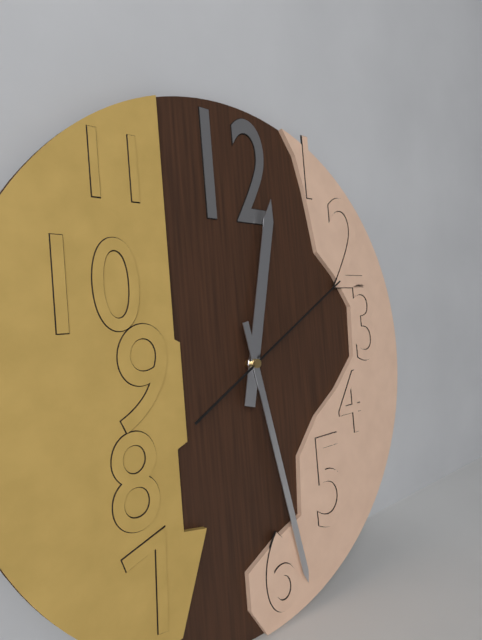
{"hour": 12, "minute": 28, "second": 10}
